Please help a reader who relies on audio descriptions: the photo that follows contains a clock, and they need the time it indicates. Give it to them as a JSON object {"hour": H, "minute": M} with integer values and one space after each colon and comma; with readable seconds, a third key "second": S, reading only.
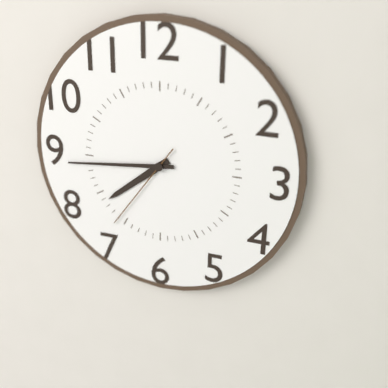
{"hour": 7, "minute": 44, "second": 36}
